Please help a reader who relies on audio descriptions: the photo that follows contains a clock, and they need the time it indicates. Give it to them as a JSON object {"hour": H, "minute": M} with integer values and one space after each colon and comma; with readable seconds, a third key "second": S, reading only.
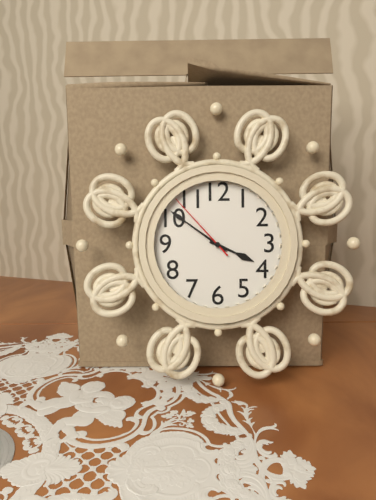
{"hour": 3, "minute": 51, "second": 53}
